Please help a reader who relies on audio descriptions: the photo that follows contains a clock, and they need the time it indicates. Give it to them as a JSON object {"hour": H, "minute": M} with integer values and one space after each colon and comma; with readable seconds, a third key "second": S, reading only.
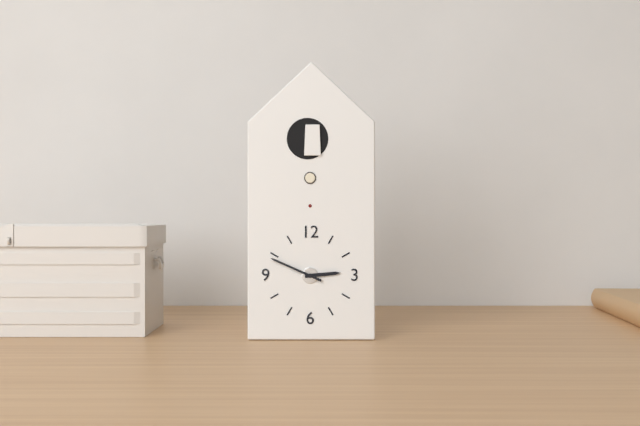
{"hour": 2, "minute": 49}
